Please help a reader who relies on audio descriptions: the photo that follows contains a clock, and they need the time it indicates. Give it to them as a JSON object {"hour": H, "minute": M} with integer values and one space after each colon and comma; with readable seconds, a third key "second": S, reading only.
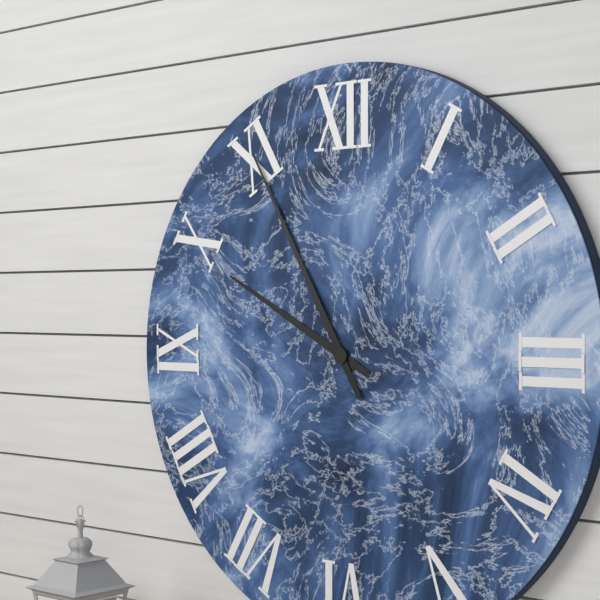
{"hour": 9, "minute": 55}
